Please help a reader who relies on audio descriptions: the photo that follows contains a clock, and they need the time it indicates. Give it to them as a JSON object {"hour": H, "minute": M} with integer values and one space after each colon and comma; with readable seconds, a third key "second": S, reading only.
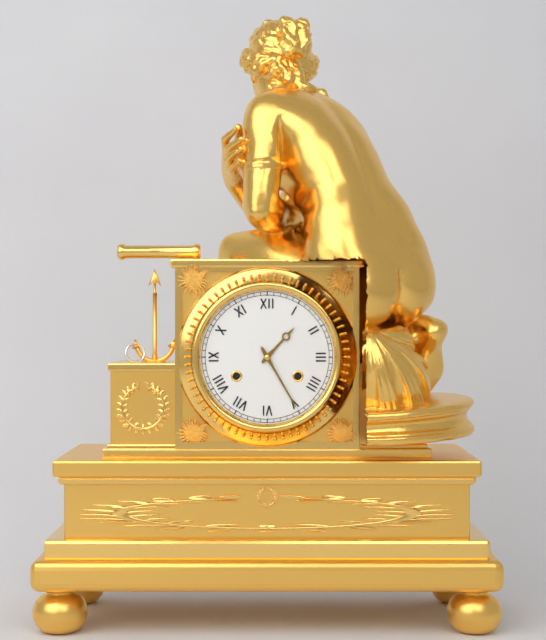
{"hour": 1, "minute": 25}
